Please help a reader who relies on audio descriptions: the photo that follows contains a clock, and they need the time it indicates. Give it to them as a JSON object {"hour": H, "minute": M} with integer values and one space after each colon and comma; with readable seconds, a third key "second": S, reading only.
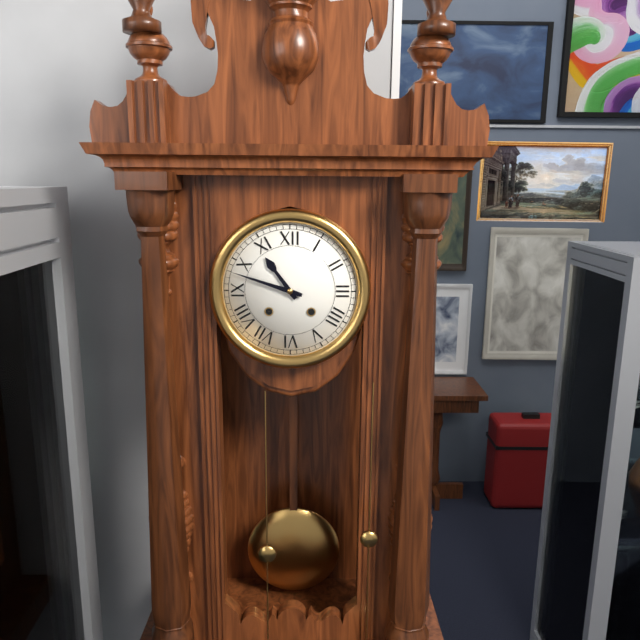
{"hour": 10, "minute": 48}
